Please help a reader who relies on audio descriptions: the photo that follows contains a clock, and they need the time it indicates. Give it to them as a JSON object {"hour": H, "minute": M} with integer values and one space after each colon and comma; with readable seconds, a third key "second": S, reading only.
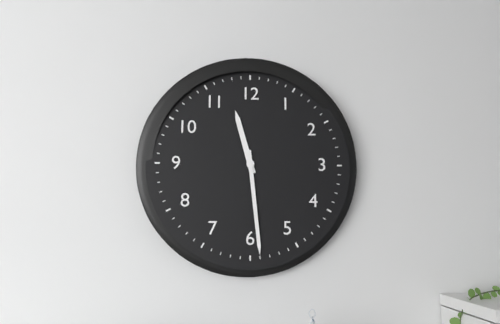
{"hour": 11, "minute": 29}
